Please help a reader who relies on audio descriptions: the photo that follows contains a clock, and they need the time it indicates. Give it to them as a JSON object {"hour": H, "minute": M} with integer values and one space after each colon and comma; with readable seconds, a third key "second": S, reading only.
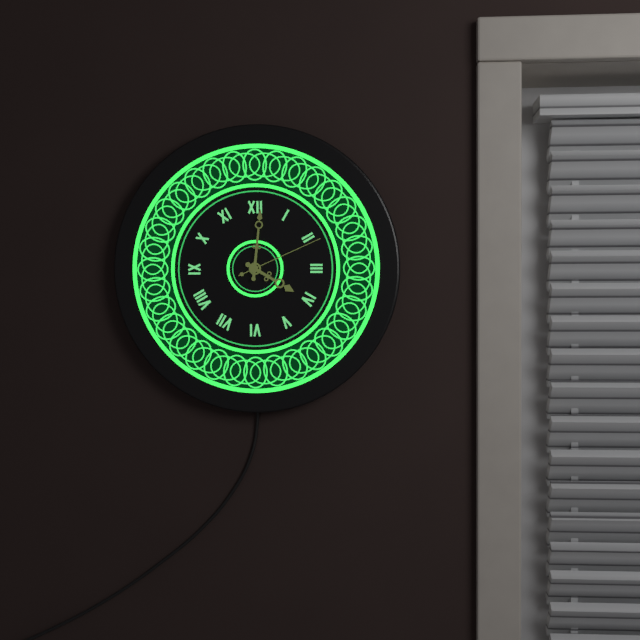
{"hour": 4, "minute": 1, "second": 11}
